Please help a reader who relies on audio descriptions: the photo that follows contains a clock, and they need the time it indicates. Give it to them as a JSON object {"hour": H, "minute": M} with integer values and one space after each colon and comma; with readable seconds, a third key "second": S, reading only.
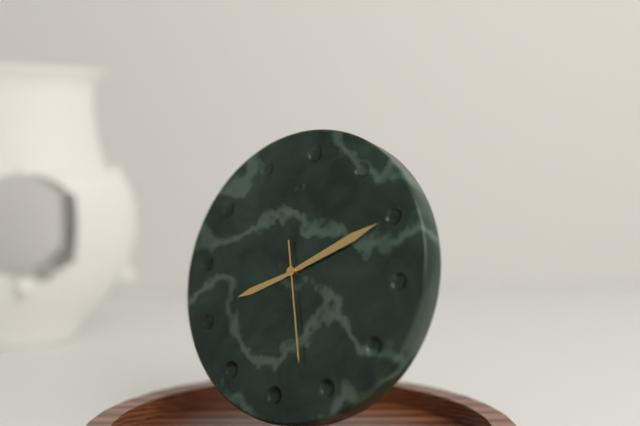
{"hour": 8, "minute": 10, "second": 27}
